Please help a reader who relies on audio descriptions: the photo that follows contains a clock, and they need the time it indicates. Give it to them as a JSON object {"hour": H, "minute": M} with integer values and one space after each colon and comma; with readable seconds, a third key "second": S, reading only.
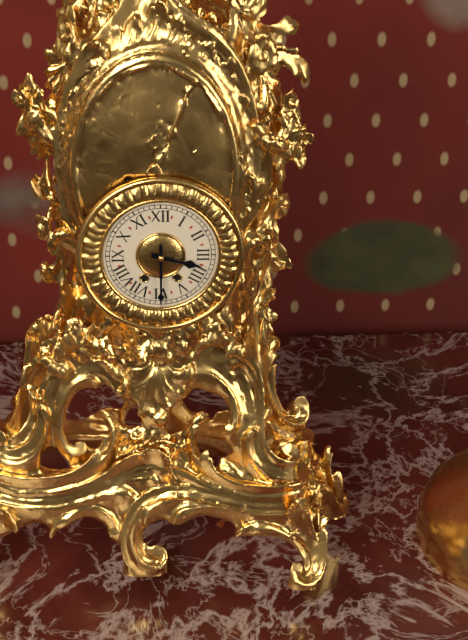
{"hour": 3, "minute": 30}
